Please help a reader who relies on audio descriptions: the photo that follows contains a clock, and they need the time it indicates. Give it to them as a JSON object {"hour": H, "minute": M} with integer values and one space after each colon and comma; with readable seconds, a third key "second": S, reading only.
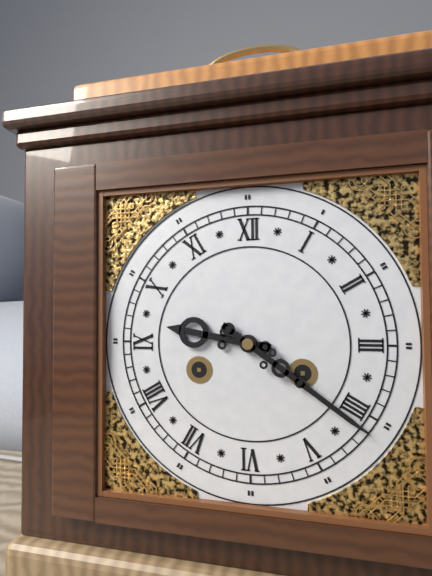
{"hour": 9, "minute": 21}
